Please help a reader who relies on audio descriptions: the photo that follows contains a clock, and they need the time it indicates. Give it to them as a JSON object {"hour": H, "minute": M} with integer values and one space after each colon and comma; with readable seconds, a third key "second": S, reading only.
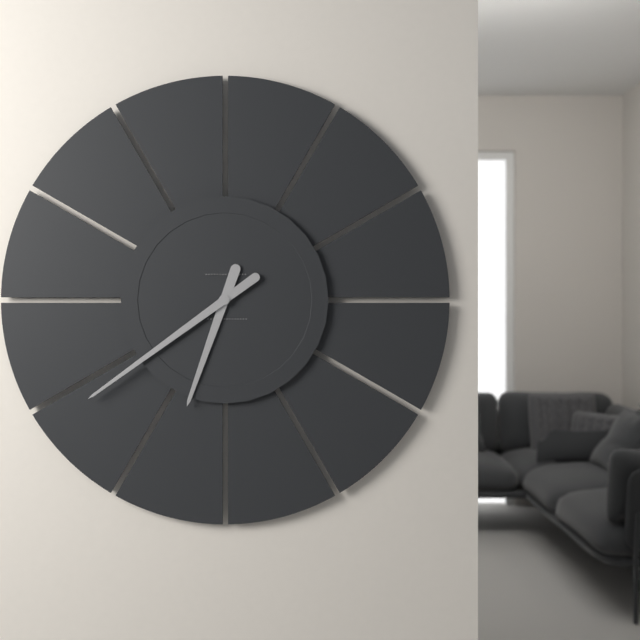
{"hour": 6, "minute": 39}
